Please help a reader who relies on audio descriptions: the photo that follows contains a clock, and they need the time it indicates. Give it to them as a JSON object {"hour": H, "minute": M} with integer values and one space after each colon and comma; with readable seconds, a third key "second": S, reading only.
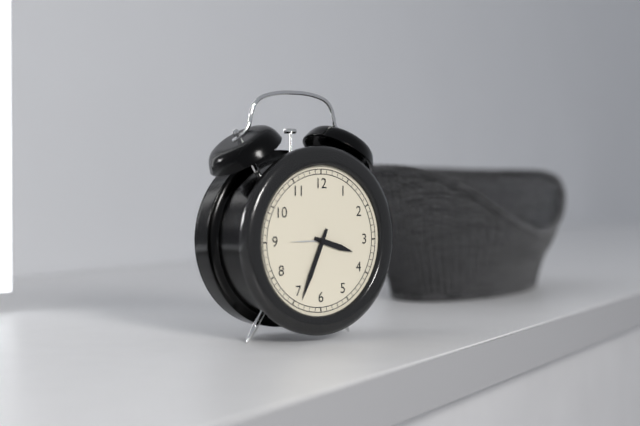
{"hour": 3, "minute": 34}
